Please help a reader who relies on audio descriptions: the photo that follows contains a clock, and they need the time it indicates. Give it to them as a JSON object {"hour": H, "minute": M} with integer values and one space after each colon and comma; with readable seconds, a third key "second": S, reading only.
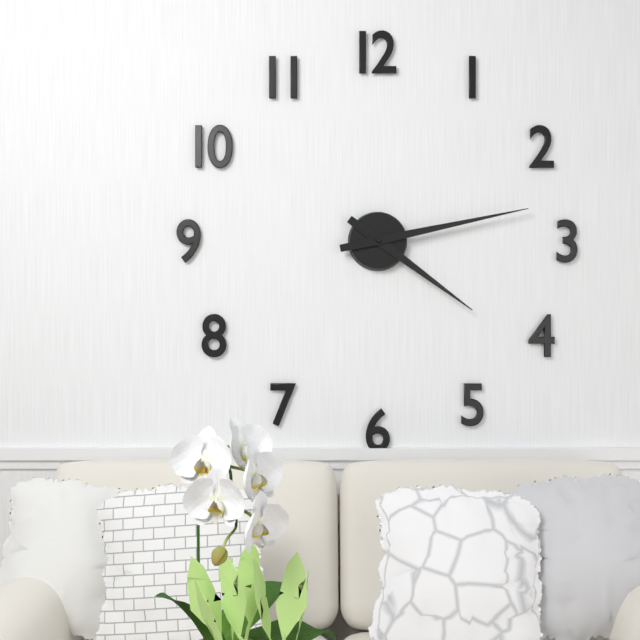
{"hour": 4, "minute": 13}
